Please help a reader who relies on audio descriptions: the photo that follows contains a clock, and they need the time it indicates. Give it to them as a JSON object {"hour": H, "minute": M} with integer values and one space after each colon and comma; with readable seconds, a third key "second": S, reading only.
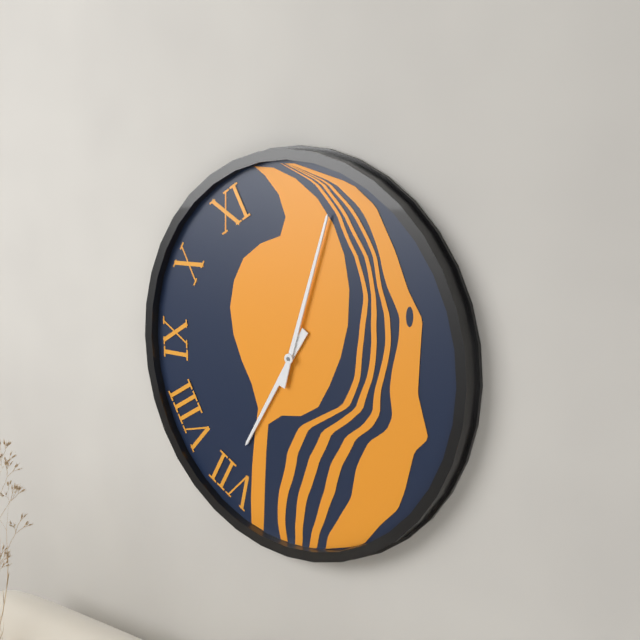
{"hour": 7, "minute": 3}
